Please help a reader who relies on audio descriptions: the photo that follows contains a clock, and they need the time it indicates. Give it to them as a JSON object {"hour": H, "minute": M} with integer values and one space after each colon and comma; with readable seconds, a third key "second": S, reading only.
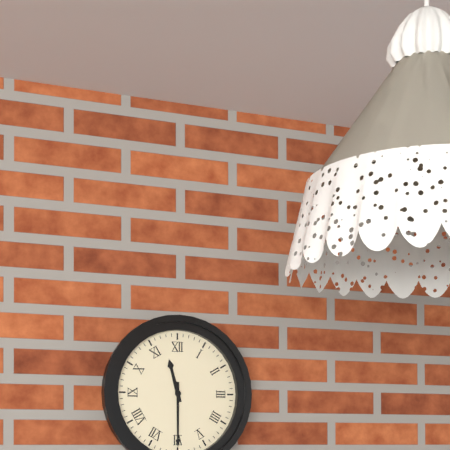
{"hour": 11, "minute": 30}
